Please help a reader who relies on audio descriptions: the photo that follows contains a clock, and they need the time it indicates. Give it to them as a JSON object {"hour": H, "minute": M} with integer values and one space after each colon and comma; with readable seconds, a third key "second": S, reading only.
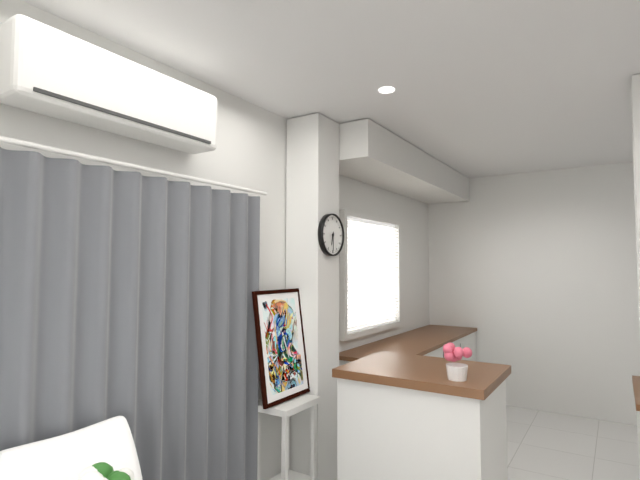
{"hour": 6, "minute": 30}
